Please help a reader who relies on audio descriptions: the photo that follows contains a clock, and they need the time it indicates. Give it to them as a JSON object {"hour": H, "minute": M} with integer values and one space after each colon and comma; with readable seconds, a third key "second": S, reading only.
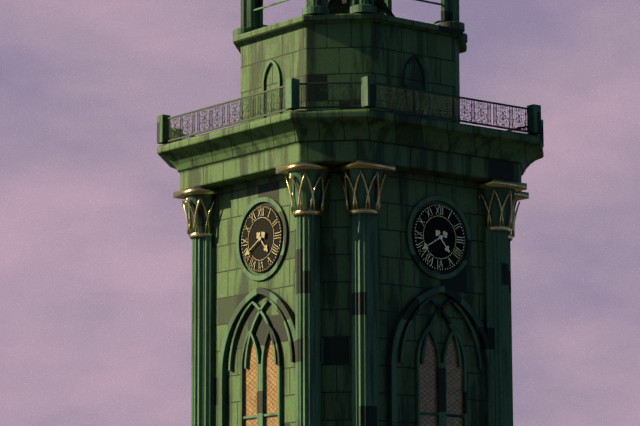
{"hour": 4, "minute": 40}
